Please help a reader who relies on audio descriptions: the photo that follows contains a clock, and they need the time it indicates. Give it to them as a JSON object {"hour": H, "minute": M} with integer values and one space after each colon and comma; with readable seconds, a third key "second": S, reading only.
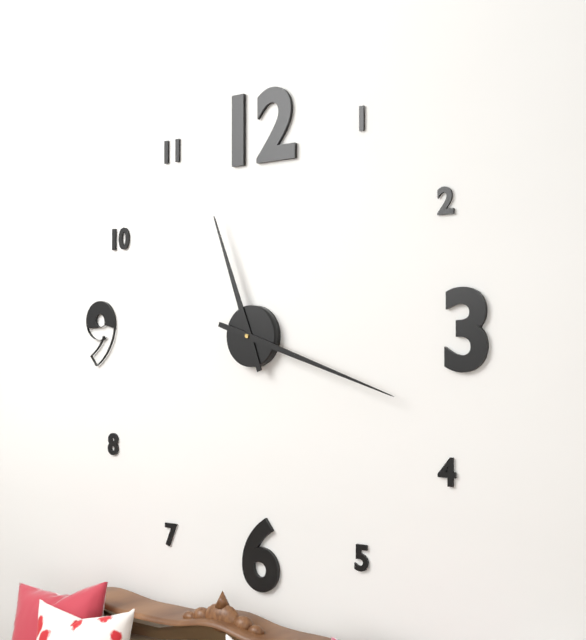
{"hour": 11, "minute": 18}
